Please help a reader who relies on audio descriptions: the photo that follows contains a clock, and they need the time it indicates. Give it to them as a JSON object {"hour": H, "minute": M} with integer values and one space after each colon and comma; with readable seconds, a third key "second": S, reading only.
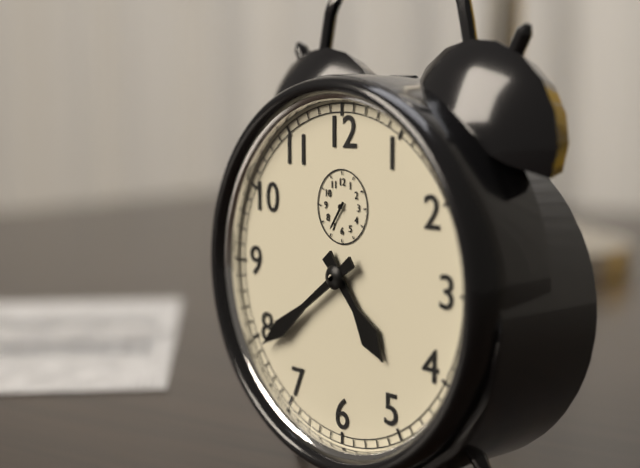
{"hour": 4, "minute": 39}
